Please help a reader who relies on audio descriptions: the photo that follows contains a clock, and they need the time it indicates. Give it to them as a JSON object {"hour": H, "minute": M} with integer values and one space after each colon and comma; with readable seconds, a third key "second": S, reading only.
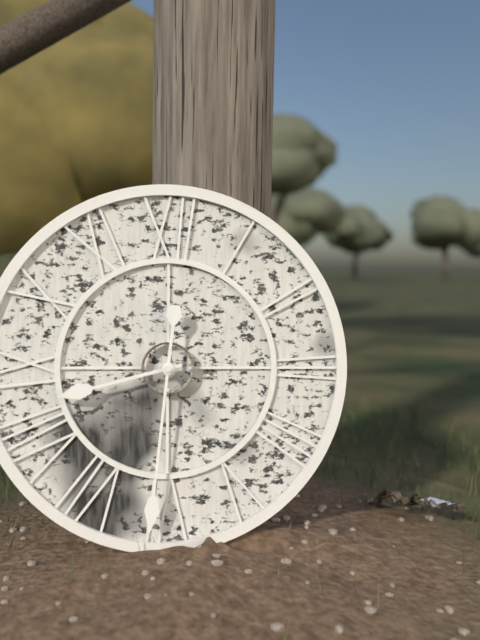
{"hour": 8, "minute": 31}
